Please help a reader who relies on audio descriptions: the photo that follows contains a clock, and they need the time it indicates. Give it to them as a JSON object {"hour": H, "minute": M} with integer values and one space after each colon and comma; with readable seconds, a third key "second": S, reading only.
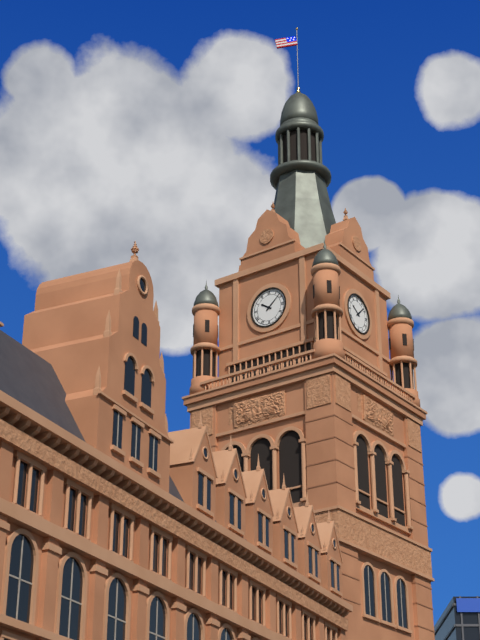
{"hour": 10, "minute": 8}
